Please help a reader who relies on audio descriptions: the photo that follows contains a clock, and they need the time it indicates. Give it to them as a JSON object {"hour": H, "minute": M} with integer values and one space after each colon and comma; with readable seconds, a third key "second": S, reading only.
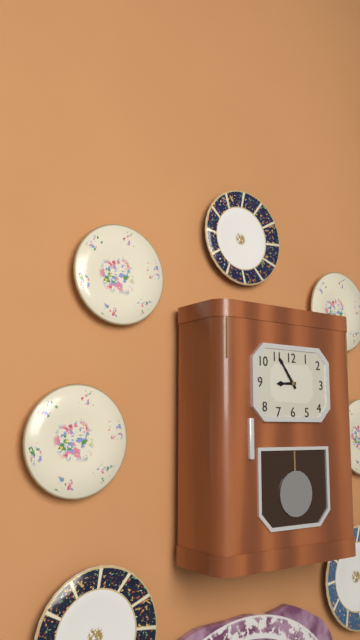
{"hour": 8, "minute": 54}
